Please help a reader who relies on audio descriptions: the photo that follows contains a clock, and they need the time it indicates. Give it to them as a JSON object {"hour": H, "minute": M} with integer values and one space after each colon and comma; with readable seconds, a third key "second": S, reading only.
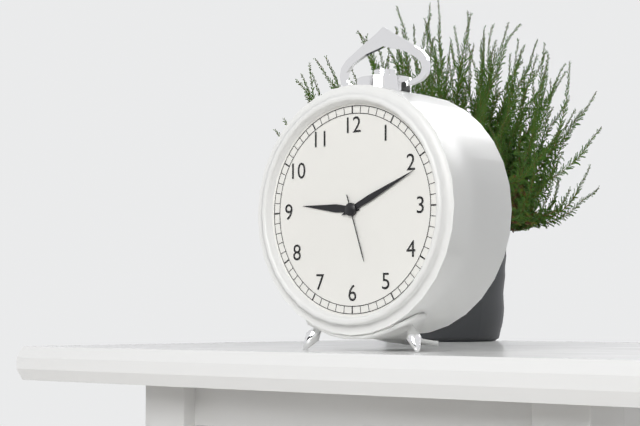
{"hour": 9, "minute": 11, "second": 27}
